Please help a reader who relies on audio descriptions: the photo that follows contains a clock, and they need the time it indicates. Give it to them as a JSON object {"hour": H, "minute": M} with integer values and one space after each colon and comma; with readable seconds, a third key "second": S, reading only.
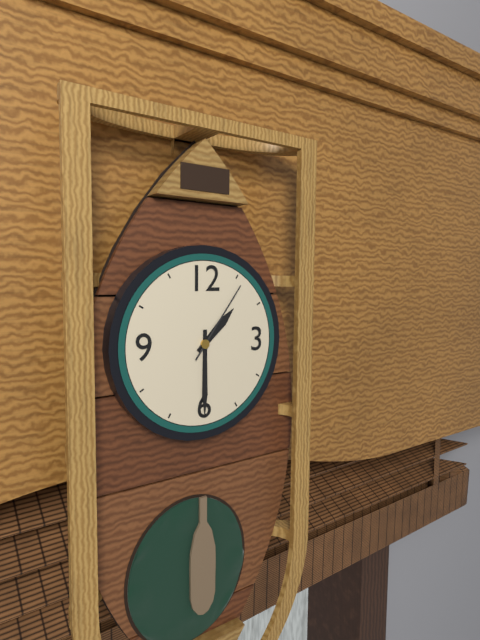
{"hour": 1, "minute": 30, "second": 6}
